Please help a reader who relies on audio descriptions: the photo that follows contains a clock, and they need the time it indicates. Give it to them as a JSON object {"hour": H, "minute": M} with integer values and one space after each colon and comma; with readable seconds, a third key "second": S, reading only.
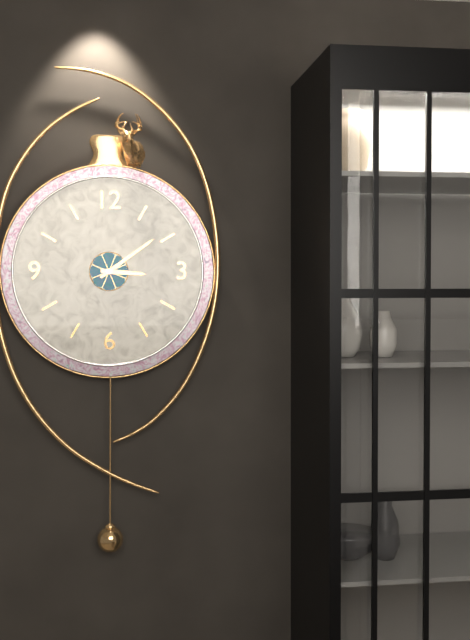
{"hour": 3, "minute": 9}
